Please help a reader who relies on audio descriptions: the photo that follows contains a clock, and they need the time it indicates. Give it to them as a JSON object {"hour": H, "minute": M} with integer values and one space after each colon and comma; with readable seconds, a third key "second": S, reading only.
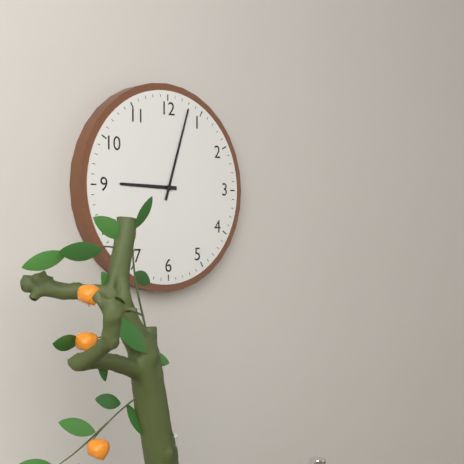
{"hour": 9, "minute": 3}
